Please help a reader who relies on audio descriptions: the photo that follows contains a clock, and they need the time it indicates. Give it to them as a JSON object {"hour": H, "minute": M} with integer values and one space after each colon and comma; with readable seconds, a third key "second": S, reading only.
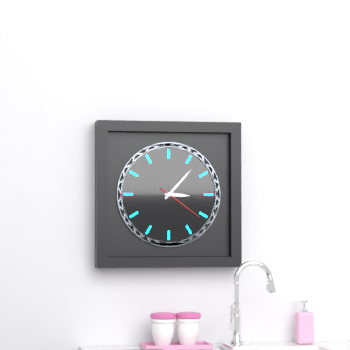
{"hour": 3, "minute": 7}
